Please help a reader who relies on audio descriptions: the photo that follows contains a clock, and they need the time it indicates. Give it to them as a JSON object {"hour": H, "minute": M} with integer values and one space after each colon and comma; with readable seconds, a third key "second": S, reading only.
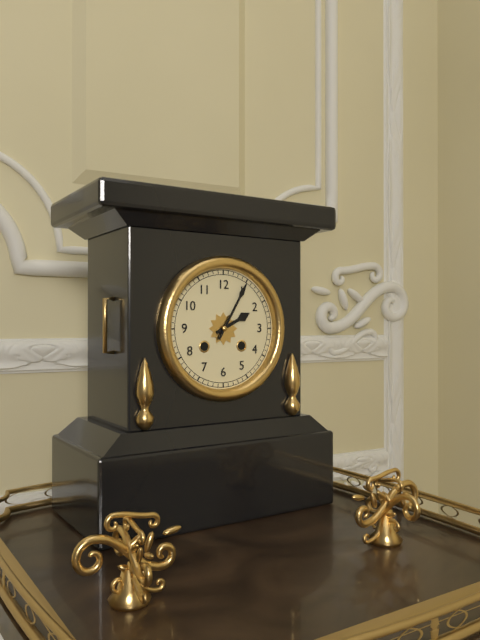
{"hour": 2, "minute": 5}
